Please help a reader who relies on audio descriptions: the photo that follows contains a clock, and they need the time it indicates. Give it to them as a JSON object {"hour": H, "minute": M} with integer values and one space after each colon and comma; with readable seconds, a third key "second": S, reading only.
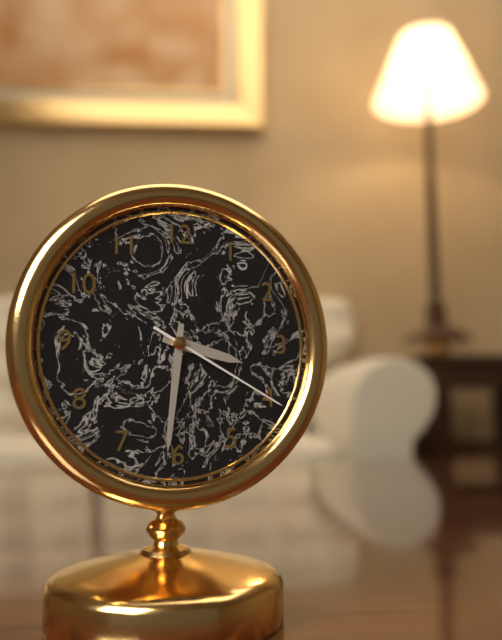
{"hour": 3, "minute": 31, "second": 20}
